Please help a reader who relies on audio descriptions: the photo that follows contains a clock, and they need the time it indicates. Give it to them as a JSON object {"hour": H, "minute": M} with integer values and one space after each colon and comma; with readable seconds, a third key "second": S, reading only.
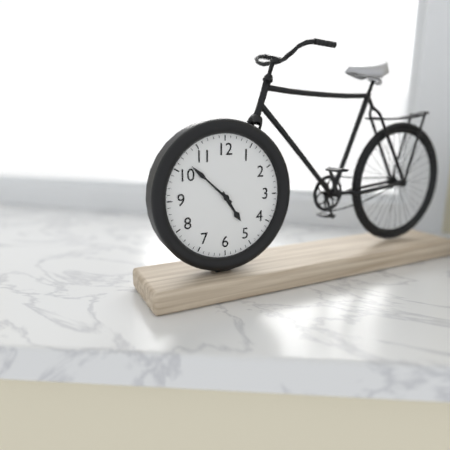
{"hour": 4, "minute": 52}
